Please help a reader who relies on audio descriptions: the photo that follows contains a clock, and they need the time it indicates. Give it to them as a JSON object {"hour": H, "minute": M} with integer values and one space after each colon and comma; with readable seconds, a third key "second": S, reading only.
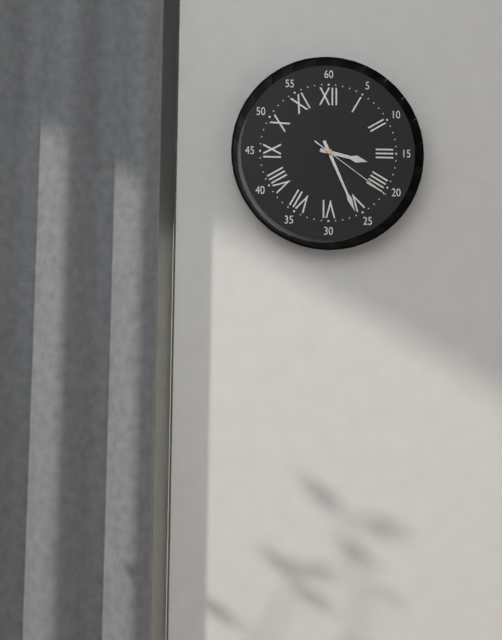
{"hour": 3, "minute": 26, "second": 21}
